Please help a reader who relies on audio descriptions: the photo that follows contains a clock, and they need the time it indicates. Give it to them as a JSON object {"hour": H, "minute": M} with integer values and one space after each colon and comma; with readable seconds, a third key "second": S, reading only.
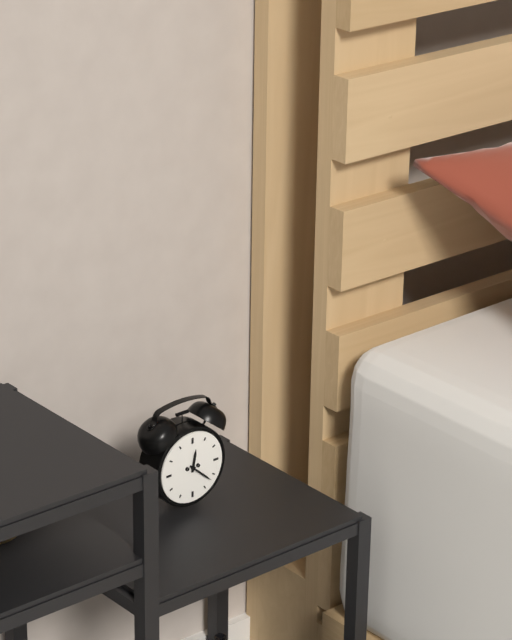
{"hour": 12, "minute": 22}
